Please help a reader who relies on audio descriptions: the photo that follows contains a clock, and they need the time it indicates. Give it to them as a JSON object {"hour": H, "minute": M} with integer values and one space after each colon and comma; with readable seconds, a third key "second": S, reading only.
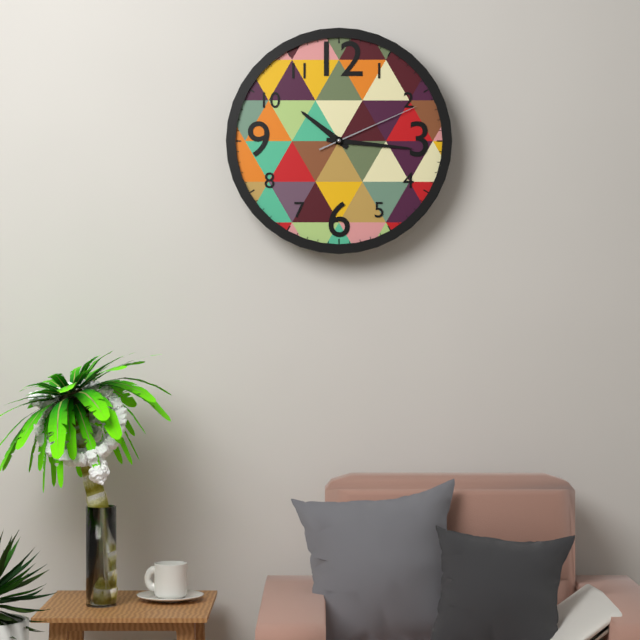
{"hour": 10, "minute": 16, "second": 11}
